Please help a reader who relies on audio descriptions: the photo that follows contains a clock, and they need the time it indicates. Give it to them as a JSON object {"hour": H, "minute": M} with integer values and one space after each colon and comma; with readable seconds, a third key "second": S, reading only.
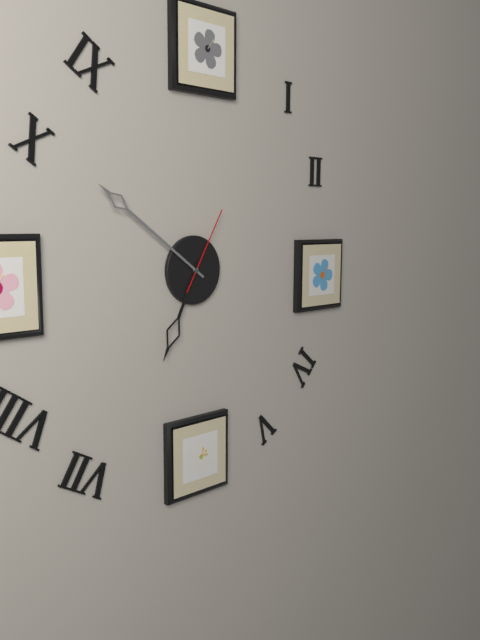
{"hour": 6, "minute": 51, "second": 5}
